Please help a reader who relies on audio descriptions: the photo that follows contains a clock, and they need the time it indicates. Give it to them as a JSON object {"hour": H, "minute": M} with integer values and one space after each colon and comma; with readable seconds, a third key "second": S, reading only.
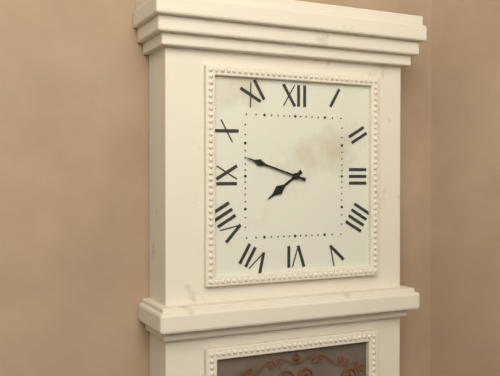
{"hour": 7, "minute": 48}
